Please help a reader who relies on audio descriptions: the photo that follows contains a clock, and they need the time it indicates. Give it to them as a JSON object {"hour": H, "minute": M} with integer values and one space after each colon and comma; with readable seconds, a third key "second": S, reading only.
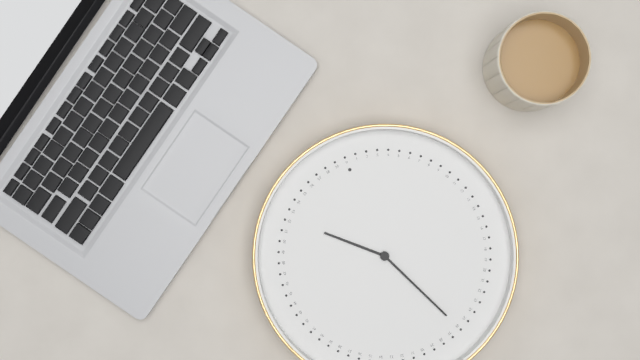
{"hour": 10, "minute": 26}
